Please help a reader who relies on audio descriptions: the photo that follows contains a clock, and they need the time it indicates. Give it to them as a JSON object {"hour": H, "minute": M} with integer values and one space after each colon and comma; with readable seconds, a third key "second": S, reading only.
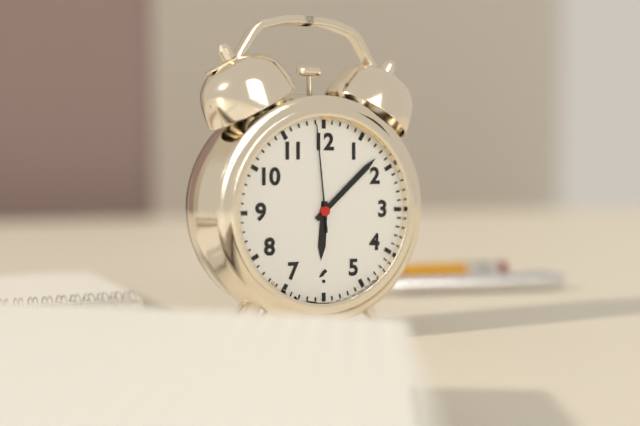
{"hour": 6, "minute": 8, "second": 59}
